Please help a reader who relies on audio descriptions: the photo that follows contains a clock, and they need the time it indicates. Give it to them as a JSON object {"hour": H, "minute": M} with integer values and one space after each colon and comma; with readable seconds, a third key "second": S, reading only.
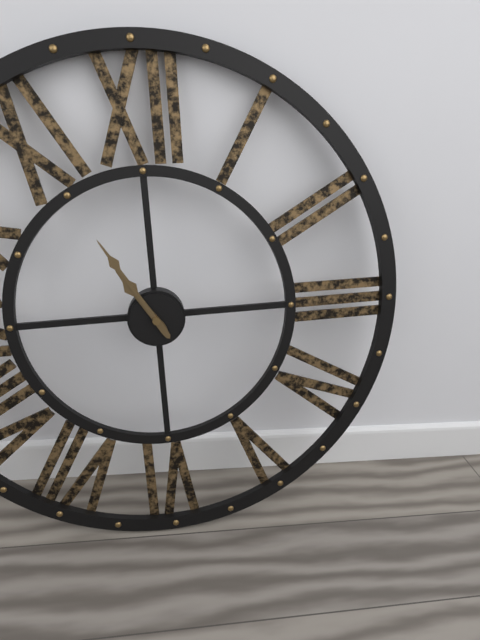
{"hour": 10, "minute": 55}
